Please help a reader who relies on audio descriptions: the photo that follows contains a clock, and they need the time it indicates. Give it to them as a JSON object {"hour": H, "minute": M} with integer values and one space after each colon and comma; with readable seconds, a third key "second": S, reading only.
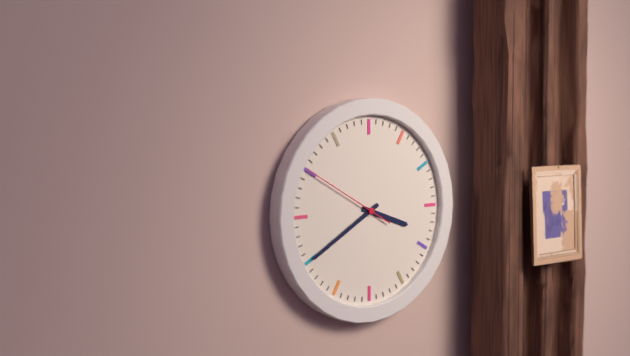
{"hour": 3, "minute": 40, "second": 50}
